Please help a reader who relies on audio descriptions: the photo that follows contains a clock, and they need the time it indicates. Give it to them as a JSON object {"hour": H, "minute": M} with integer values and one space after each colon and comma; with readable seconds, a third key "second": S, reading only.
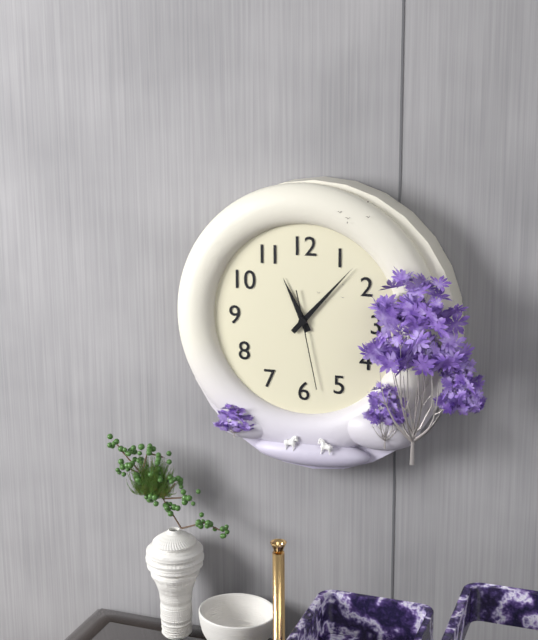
{"hour": 11, "minute": 7, "second": 28}
